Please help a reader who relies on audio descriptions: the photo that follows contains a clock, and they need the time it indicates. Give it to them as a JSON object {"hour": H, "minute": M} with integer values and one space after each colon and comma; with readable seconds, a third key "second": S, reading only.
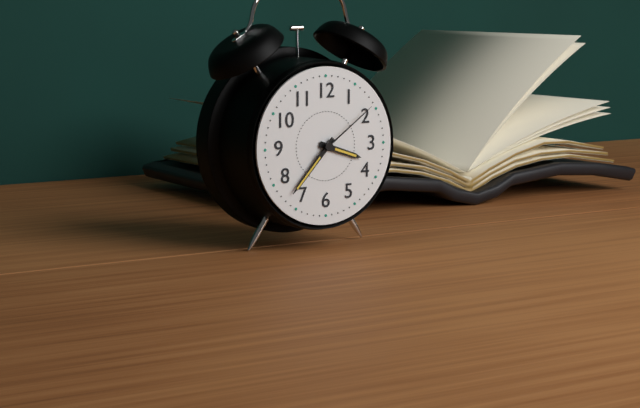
{"hour": 3, "minute": 37, "second": 9}
